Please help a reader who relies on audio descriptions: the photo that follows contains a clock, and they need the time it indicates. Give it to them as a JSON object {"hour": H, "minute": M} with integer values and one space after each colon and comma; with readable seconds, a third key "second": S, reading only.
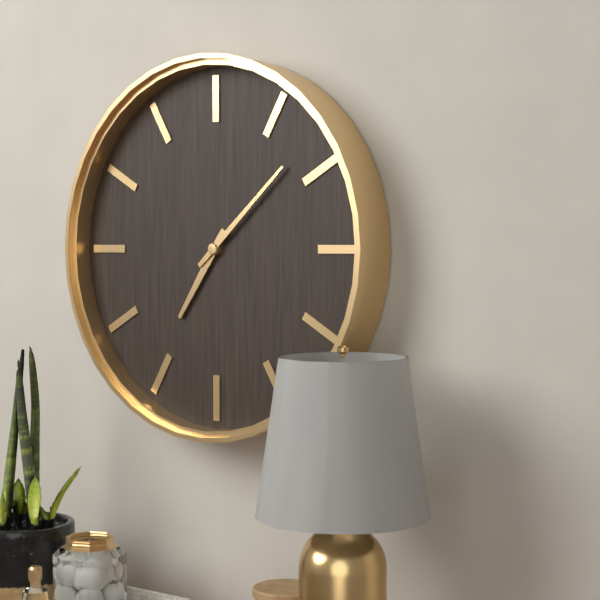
{"hour": 7, "minute": 8}
